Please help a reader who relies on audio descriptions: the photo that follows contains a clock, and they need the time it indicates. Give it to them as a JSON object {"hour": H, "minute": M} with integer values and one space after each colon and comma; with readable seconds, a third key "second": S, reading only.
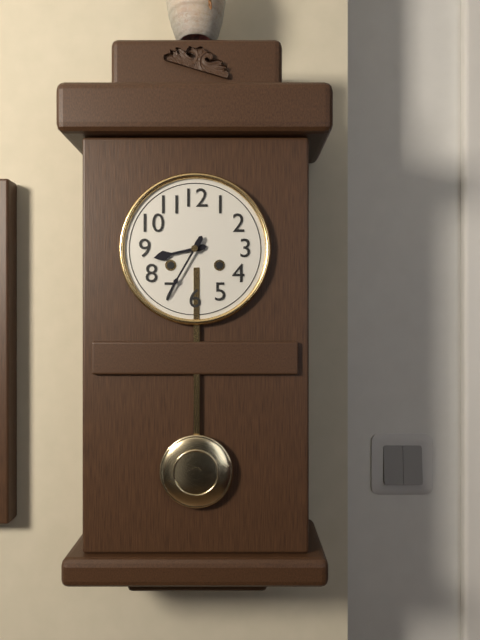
{"hour": 8, "minute": 35}
